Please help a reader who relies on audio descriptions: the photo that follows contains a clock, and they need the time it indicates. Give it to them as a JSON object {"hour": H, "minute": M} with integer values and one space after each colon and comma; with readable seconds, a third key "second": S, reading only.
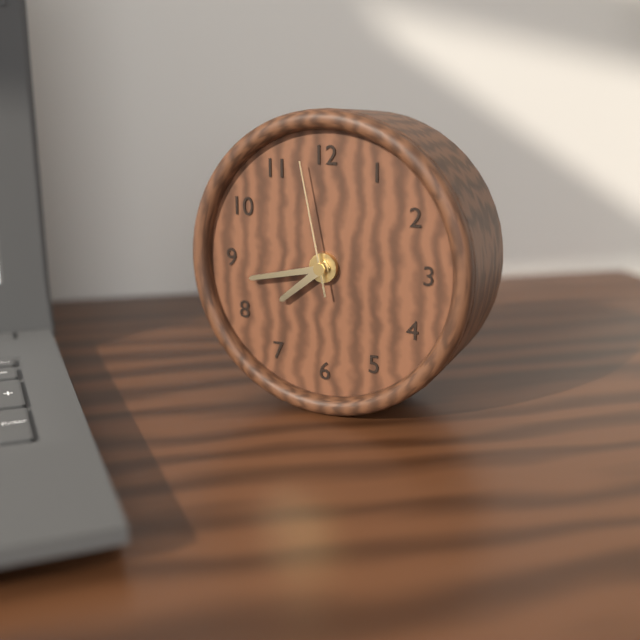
{"hour": 7, "minute": 43, "second": 58}
